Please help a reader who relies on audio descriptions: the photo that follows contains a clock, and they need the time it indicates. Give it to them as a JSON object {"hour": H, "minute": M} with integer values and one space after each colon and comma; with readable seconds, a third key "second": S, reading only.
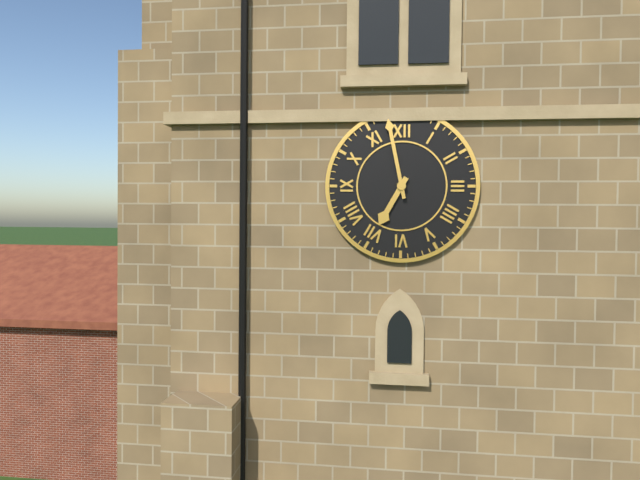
{"hour": 6, "minute": 58}
